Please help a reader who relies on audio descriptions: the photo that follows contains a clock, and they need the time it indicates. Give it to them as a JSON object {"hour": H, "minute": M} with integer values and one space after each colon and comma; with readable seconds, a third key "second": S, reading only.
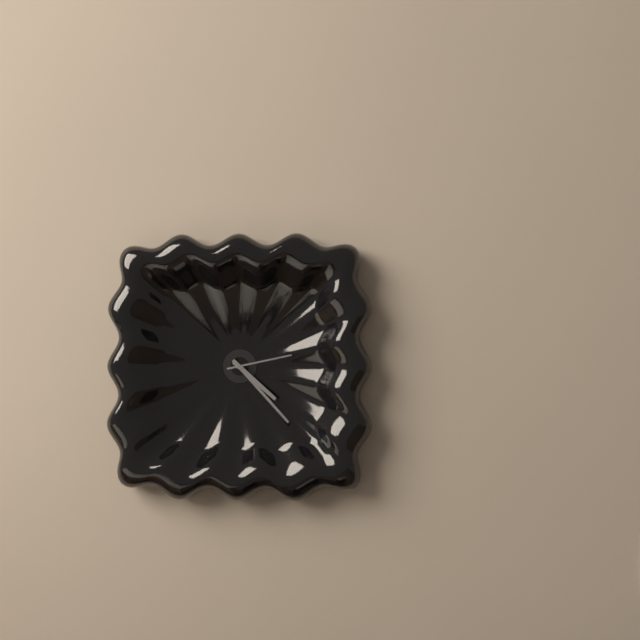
{"hour": 4, "minute": 23, "second": 13}
